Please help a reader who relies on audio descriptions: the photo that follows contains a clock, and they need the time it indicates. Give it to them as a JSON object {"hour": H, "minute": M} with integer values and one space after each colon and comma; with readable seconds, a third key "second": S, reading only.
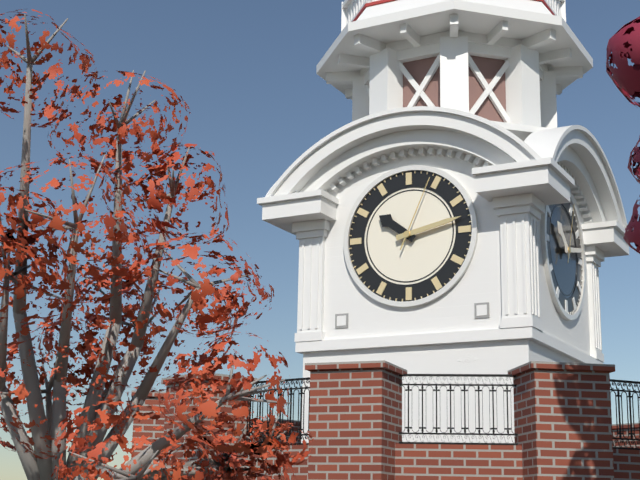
{"hour": 10, "minute": 13, "second": 4}
